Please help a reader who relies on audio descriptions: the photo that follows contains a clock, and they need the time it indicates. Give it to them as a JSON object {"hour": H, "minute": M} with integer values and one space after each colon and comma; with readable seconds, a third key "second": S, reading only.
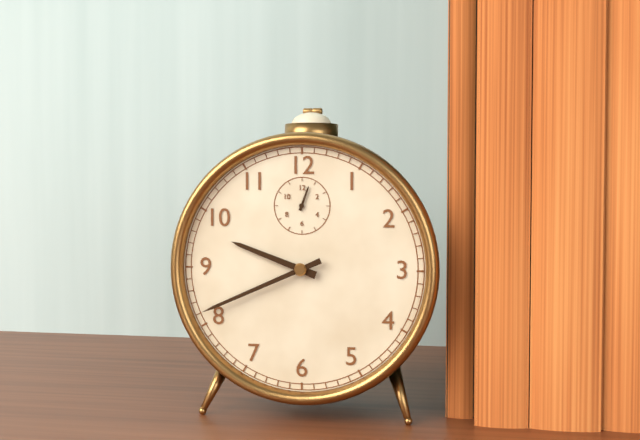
{"hour": 9, "minute": 41}
